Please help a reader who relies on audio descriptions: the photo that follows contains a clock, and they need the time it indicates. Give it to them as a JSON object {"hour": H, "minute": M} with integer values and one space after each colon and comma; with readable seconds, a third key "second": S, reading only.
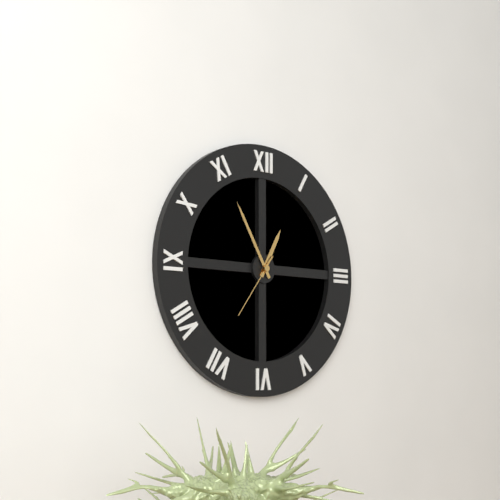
{"hour": 12, "minute": 55, "second": 36}
